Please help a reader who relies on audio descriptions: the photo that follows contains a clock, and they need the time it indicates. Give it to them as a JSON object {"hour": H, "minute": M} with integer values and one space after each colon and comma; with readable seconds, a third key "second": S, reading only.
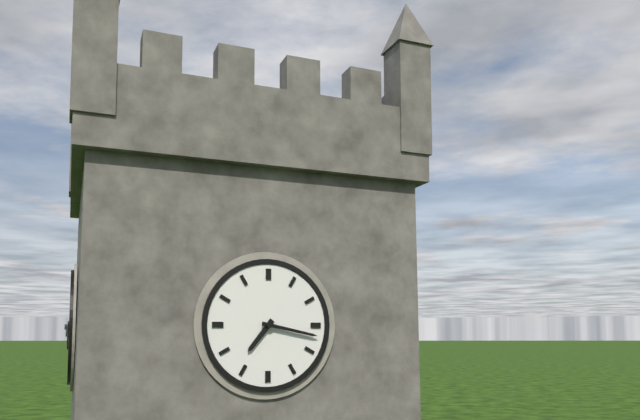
{"hour": 7, "minute": 17}
